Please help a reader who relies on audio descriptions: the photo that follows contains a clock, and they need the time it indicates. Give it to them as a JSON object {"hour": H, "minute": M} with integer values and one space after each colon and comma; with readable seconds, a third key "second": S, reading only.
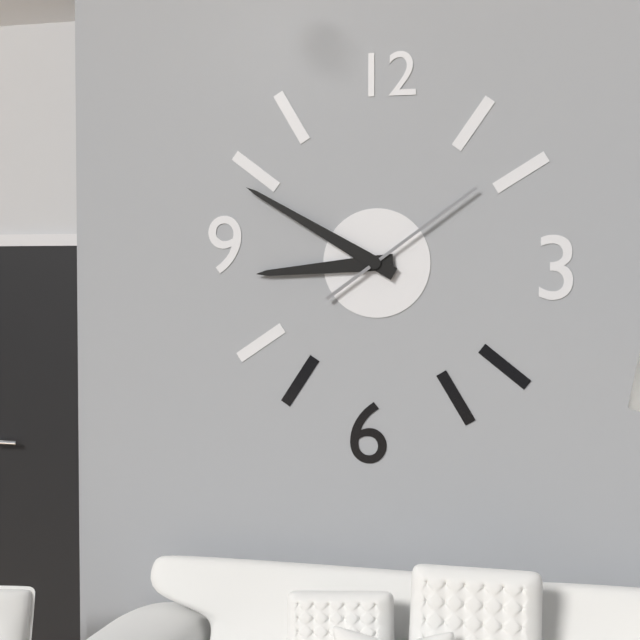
{"hour": 8, "minute": 50, "second": 9}
